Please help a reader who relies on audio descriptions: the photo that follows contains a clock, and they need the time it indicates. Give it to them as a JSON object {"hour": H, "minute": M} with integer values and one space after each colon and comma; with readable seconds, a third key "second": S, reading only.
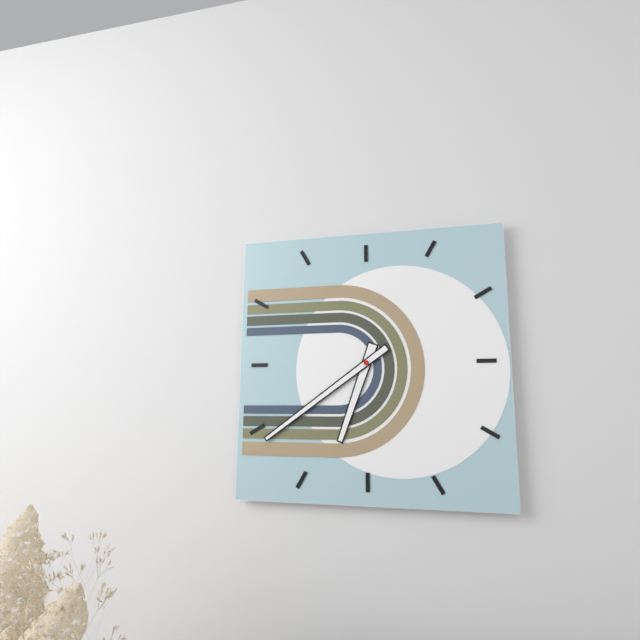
{"hour": 6, "minute": 39}
